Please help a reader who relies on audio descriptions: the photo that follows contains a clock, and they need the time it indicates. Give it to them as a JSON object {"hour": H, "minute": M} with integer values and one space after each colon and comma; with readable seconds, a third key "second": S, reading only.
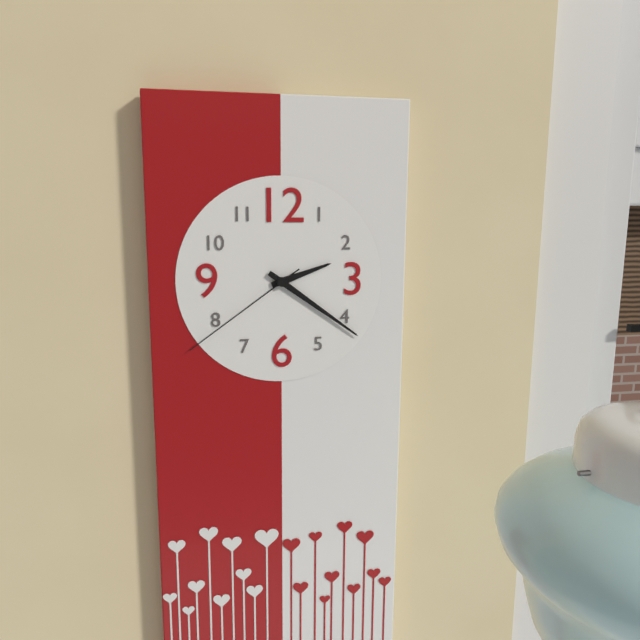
{"hour": 2, "minute": 21, "second": 39}
